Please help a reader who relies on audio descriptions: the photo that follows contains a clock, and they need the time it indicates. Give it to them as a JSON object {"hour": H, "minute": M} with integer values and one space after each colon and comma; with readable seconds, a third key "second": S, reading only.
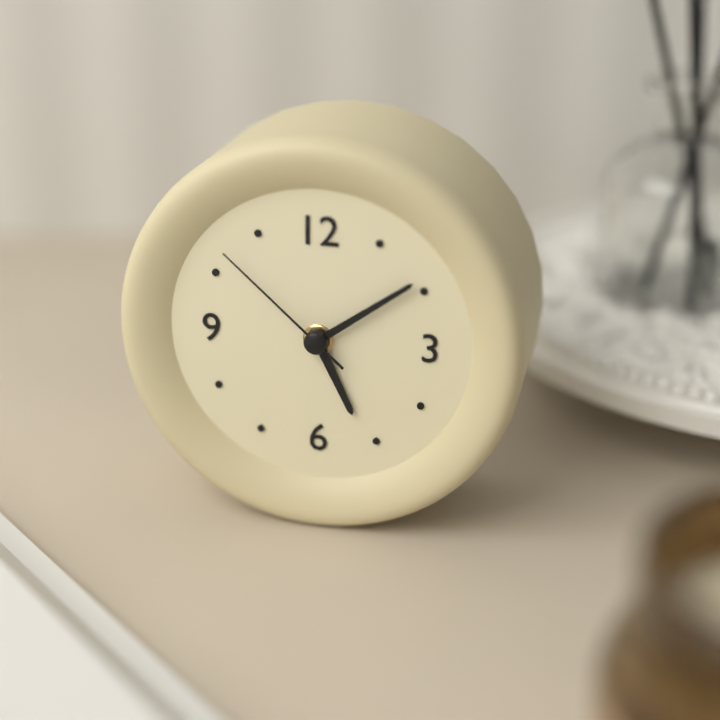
{"hour": 5, "minute": 9, "second": 52}
